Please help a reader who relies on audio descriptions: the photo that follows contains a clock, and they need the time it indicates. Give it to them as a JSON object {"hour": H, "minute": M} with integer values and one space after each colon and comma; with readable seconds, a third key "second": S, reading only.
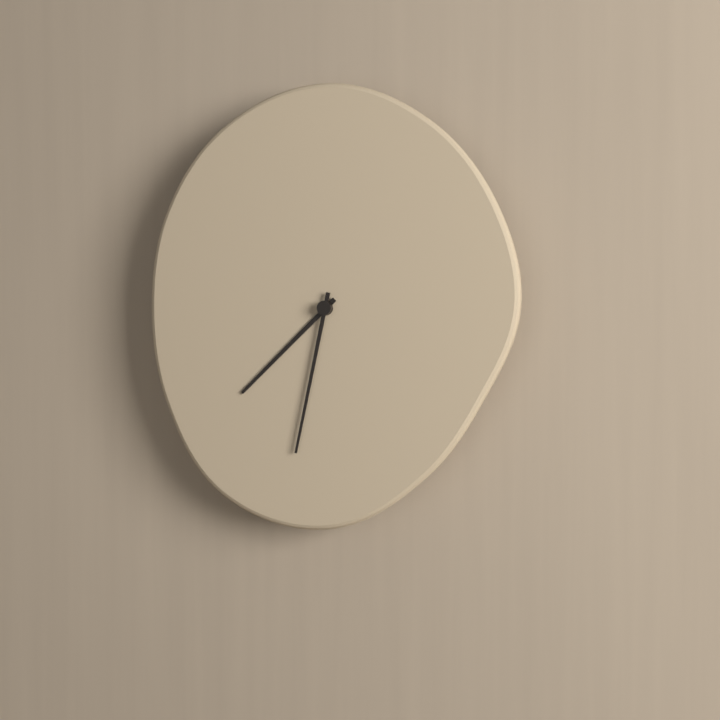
{"hour": 7, "minute": 32}
